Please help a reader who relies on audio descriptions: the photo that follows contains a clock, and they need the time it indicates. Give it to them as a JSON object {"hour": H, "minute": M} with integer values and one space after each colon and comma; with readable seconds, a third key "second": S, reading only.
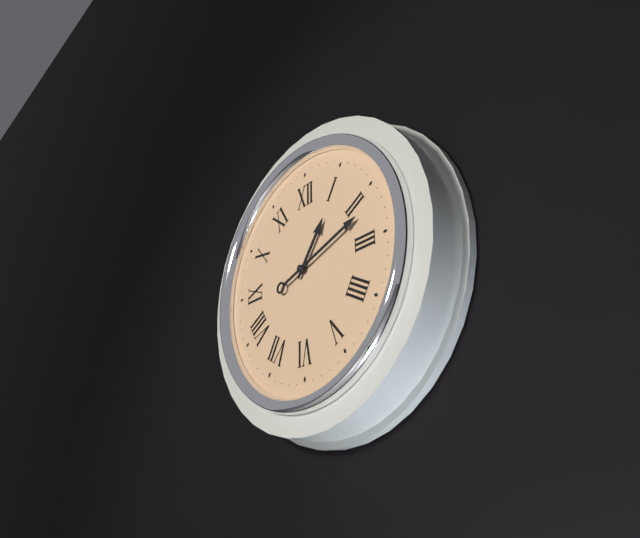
{"hour": 1, "minute": 12}
